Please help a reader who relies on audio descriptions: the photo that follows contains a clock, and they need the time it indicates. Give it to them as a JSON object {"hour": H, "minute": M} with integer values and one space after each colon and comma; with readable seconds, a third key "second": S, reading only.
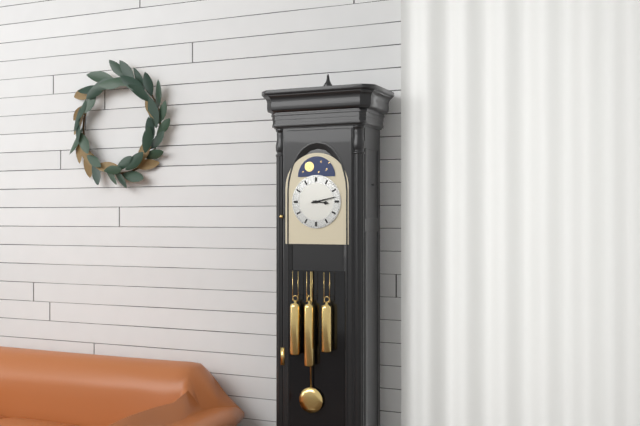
{"hour": 3, "minute": 13}
